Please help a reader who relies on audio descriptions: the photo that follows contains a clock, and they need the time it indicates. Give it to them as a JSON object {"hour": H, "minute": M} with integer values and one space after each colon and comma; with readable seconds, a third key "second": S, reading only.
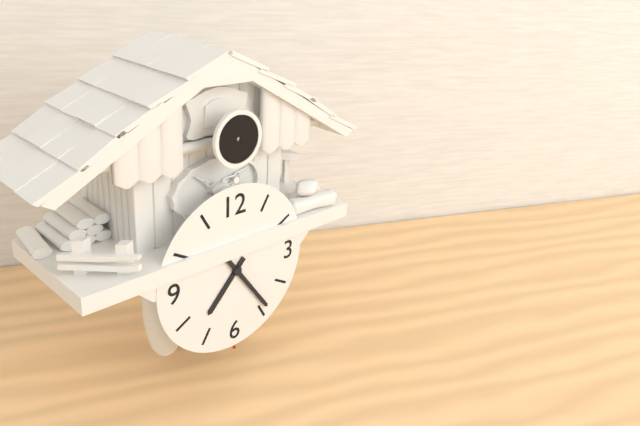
{"hour": 7, "minute": 24}
